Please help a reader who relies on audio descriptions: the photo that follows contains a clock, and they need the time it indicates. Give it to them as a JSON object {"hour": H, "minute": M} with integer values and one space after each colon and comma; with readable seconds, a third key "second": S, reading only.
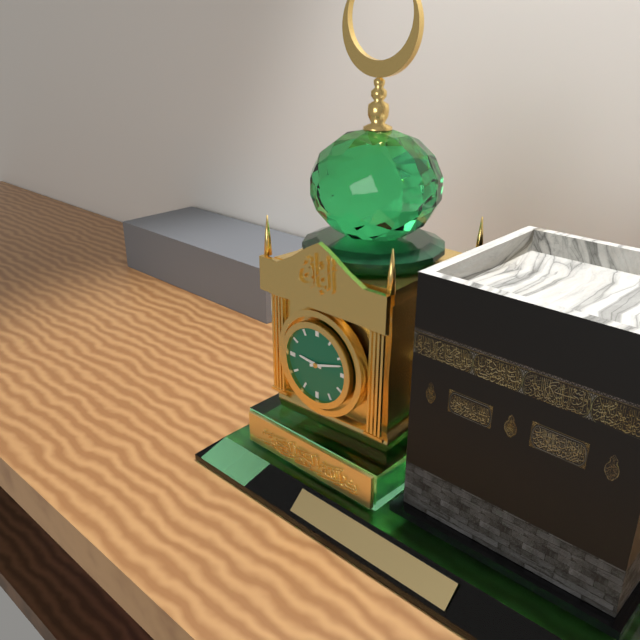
{"hour": 9, "minute": 12}
